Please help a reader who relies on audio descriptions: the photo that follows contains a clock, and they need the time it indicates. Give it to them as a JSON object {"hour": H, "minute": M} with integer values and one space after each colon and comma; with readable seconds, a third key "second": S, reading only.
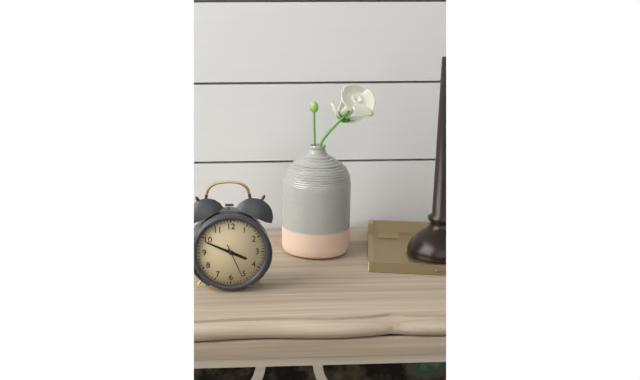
{"hour": 3, "minute": 49}
